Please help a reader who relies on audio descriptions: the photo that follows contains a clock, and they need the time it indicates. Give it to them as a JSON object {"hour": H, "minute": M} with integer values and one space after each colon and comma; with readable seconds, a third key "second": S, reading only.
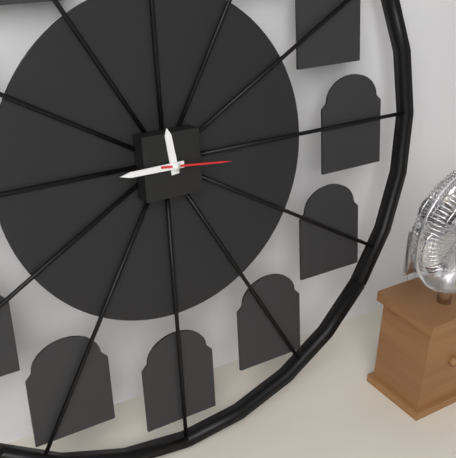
{"hour": 11, "minute": 45, "second": 16}
